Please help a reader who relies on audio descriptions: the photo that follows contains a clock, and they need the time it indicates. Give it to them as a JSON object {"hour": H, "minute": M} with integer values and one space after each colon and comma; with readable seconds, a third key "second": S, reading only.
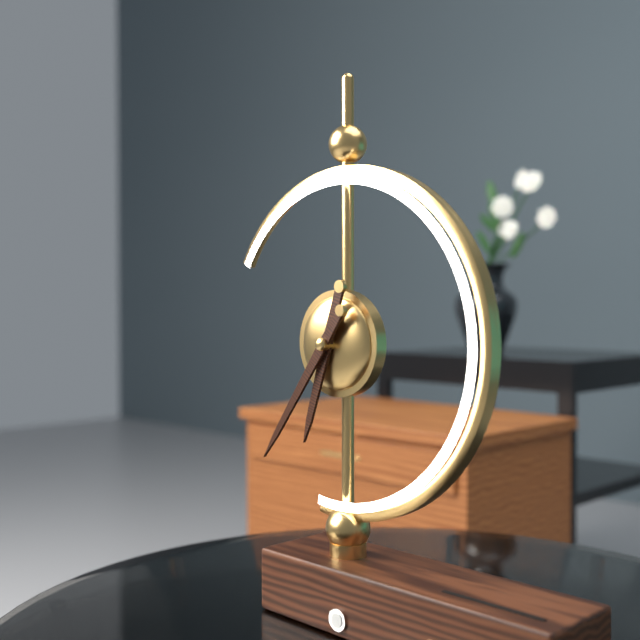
{"hour": 6, "minute": 36}
